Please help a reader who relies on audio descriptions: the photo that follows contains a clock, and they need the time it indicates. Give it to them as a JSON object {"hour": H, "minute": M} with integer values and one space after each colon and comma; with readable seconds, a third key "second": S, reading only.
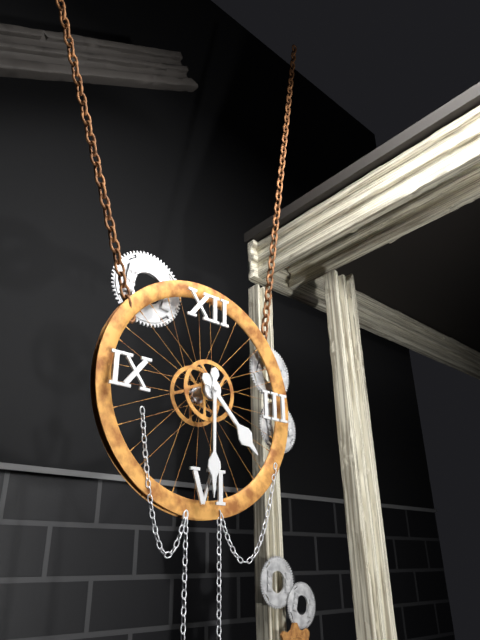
{"hour": 4, "minute": 30}
